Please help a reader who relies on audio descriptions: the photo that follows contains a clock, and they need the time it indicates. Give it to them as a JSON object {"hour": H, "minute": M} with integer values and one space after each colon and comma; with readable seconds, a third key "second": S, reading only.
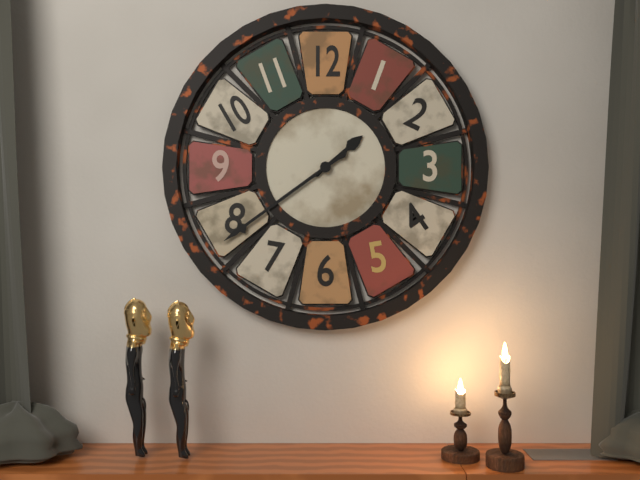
{"hour": 1, "minute": 39}
